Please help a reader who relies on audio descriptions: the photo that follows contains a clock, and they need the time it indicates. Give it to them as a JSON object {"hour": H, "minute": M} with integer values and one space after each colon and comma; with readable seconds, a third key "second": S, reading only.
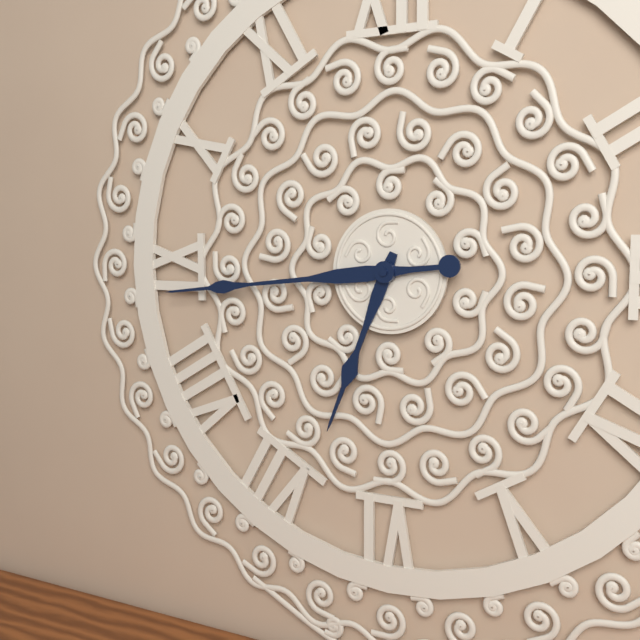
{"hour": 6, "minute": 44}
